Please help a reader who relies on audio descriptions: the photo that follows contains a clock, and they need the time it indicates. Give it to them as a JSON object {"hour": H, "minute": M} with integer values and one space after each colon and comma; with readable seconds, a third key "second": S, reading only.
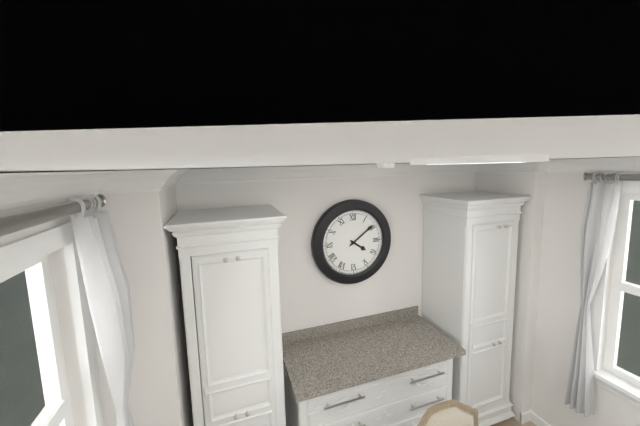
{"hour": 4, "minute": 9}
